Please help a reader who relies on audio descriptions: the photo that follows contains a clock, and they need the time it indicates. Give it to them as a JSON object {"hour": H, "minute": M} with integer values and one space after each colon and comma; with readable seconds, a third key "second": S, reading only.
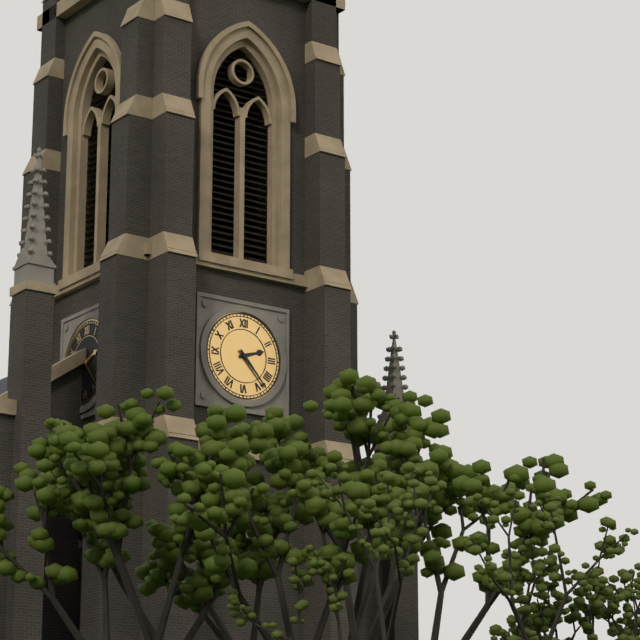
{"hour": 2, "minute": 23}
